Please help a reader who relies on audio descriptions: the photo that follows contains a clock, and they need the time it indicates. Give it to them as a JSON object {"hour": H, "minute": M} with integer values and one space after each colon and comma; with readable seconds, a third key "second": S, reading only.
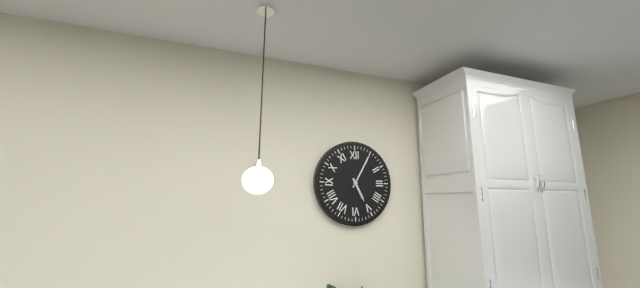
{"hour": 5, "minute": 5}
